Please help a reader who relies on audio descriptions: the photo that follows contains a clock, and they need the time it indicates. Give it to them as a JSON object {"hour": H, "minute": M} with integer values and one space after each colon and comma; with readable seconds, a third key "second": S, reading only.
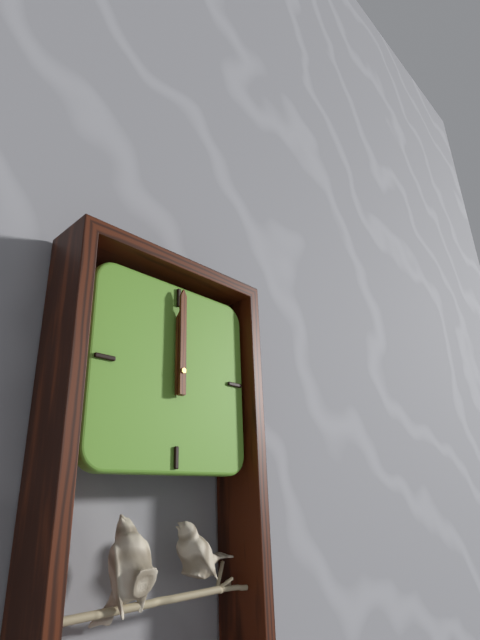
{"hour": 12, "minute": 0}
